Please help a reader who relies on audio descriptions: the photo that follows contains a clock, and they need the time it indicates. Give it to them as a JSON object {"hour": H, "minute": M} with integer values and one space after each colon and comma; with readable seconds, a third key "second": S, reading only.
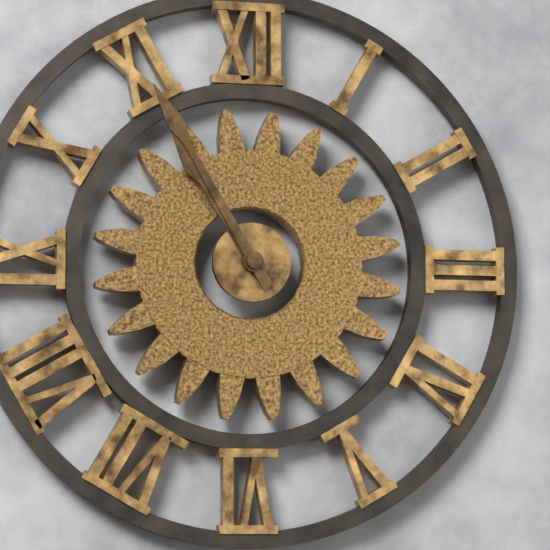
{"hour": 10, "minute": 55}
